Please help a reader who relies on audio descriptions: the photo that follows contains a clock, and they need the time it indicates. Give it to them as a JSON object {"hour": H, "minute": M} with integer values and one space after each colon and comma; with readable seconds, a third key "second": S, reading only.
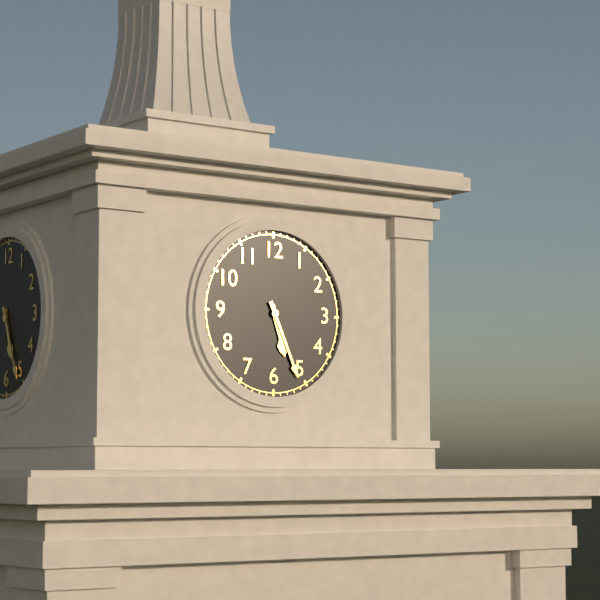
{"hour": 5, "minute": 26}
